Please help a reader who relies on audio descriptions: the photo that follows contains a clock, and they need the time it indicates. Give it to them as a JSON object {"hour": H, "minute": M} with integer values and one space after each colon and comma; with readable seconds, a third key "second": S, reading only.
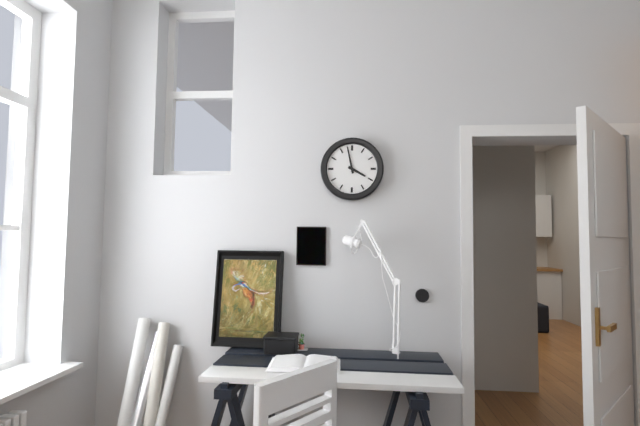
{"hour": 3, "minute": 58}
